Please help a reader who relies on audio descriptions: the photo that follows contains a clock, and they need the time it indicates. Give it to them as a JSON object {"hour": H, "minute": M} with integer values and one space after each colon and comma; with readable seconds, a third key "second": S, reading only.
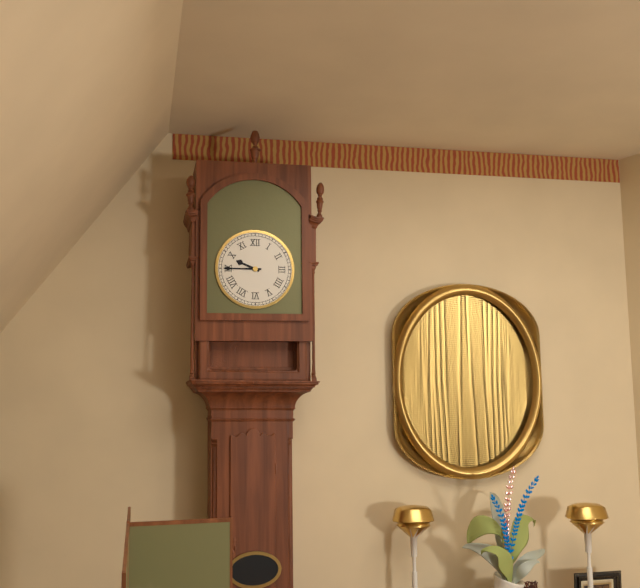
{"hour": 9, "minute": 45}
